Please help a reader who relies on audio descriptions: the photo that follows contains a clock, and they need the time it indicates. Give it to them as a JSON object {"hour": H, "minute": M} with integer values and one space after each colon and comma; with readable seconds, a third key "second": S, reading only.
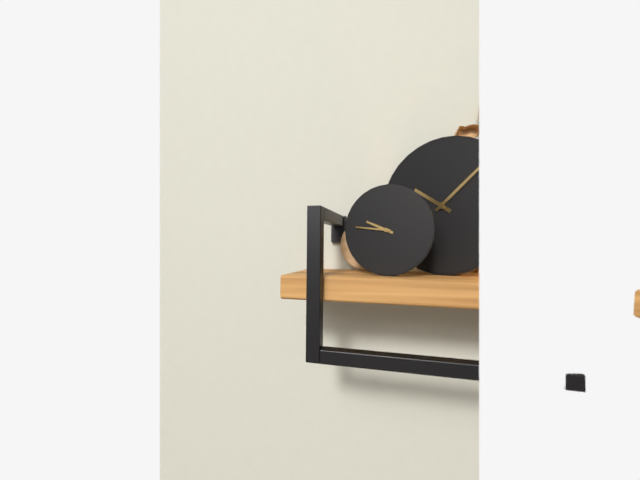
{"hour": 9, "minute": 46}
